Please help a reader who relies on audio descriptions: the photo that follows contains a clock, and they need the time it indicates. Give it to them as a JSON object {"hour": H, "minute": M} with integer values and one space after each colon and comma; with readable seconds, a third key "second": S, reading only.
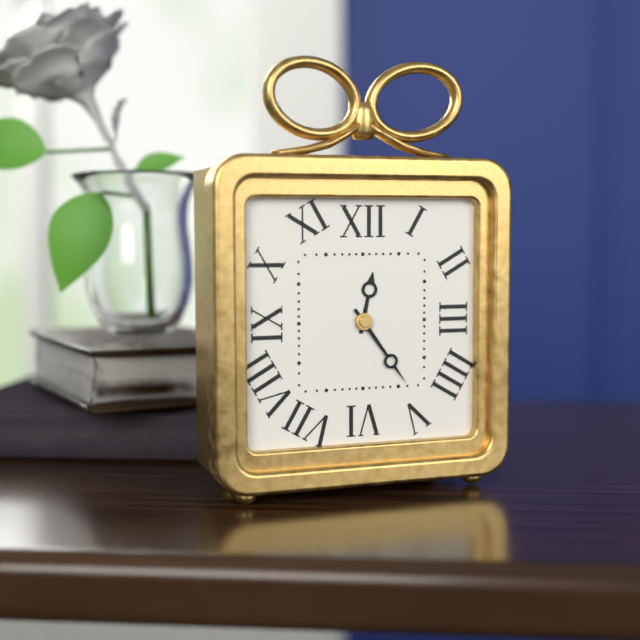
{"hour": 12, "minute": 24}
